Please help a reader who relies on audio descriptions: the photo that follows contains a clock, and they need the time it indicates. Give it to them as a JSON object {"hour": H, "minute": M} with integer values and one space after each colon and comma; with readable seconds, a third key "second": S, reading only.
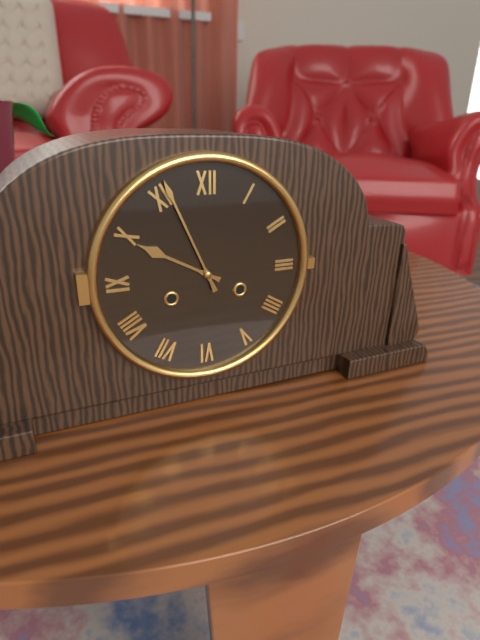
{"hour": 9, "minute": 56}
